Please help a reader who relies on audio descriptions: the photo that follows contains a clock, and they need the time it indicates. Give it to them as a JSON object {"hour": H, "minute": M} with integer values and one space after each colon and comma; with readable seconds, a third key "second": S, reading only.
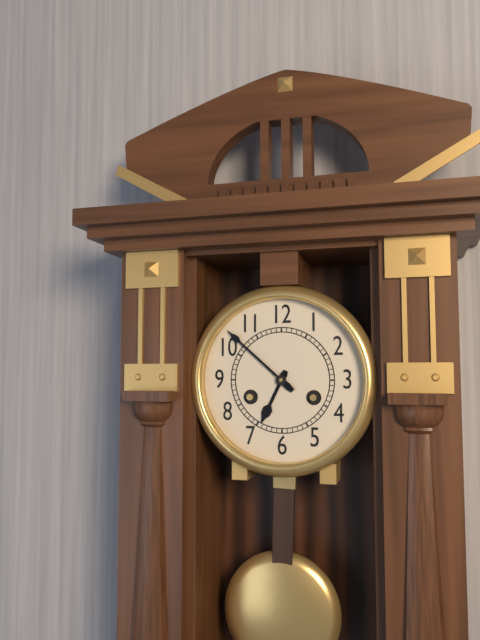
{"hour": 6, "minute": 52}
